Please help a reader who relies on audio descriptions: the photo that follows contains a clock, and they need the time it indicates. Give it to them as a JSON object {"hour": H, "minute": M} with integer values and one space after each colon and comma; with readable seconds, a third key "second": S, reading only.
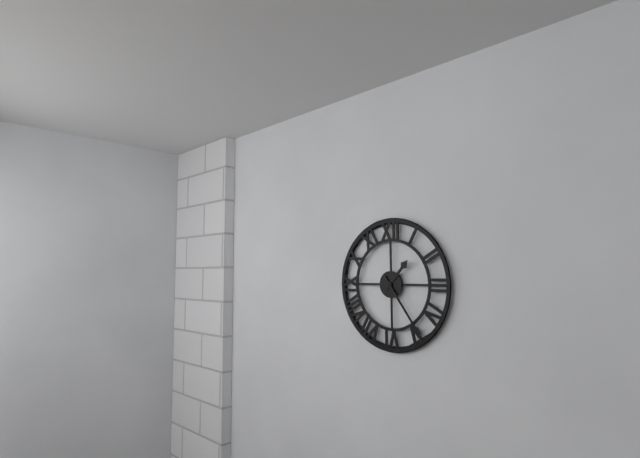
{"hour": 1, "minute": 24}
